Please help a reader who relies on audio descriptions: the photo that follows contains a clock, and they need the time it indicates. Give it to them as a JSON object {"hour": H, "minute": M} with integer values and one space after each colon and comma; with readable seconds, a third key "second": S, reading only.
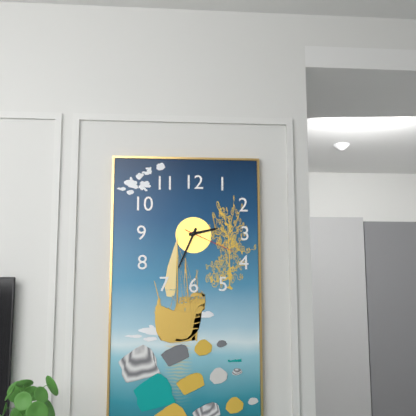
{"hour": 2, "minute": 34, "second": 19}
